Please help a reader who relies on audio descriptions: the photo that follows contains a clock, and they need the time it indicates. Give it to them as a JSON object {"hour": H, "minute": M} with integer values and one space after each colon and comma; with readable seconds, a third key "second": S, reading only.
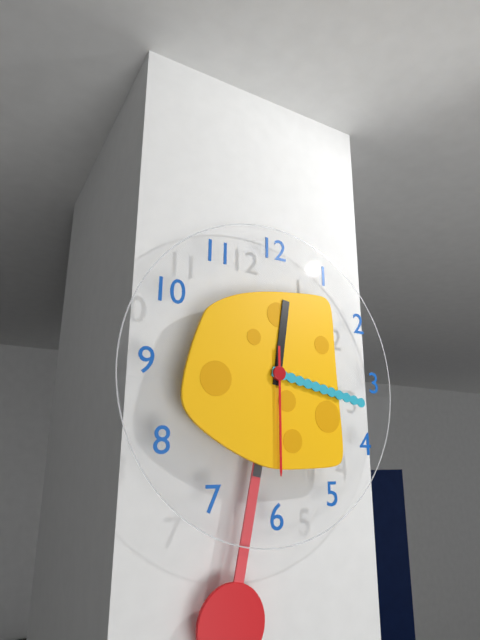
{"hour": 12, "minute": 17, "second": 30}
